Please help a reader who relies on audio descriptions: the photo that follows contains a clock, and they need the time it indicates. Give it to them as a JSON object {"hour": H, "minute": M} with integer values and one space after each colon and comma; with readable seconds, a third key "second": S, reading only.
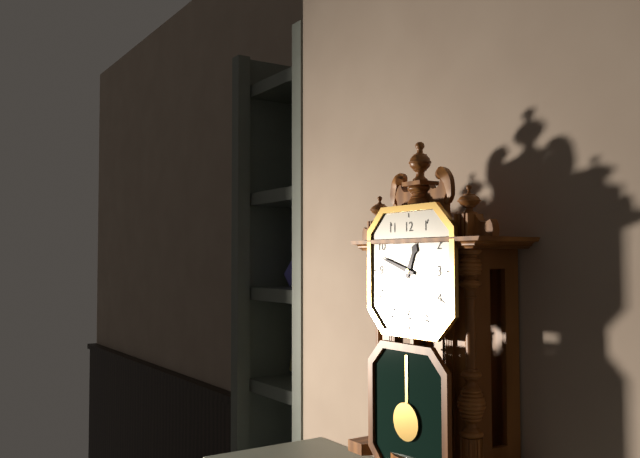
{"hour": 12, "minute": 48}
